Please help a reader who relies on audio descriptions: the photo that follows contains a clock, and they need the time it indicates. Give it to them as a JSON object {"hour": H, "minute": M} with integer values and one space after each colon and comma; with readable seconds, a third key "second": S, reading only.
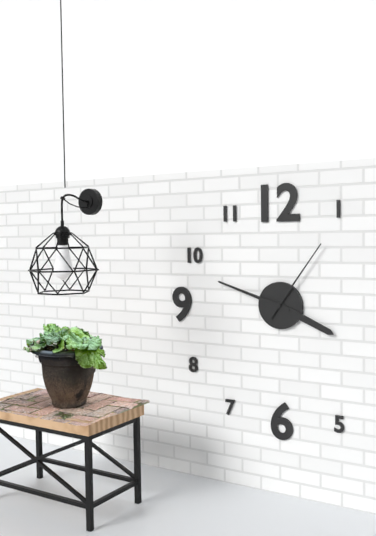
{"hour": 3, "minute": 48, "second": 6}
